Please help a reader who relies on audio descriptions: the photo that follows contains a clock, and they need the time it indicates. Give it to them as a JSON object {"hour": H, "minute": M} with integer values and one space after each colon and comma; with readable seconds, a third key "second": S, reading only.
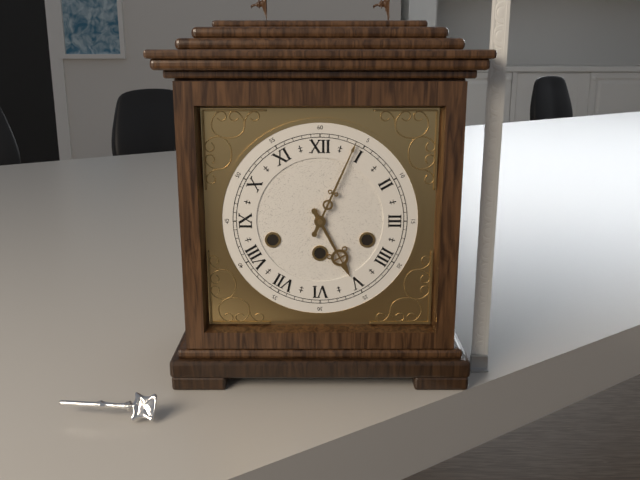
{"hour": 5, "minute": 4}
